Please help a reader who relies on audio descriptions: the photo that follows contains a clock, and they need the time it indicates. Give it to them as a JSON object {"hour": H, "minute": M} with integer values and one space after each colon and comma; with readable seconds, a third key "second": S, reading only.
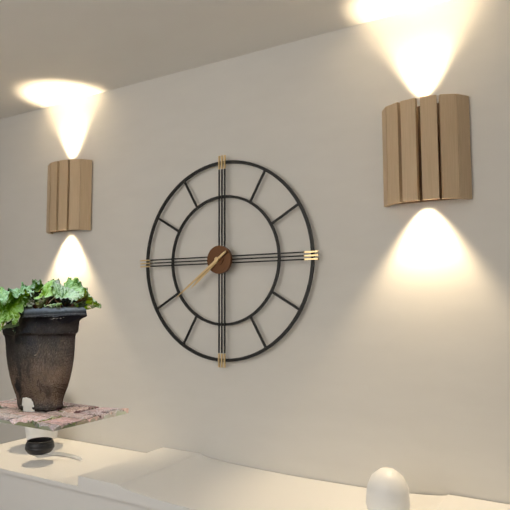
{"hour": 7, "minute": 39}
